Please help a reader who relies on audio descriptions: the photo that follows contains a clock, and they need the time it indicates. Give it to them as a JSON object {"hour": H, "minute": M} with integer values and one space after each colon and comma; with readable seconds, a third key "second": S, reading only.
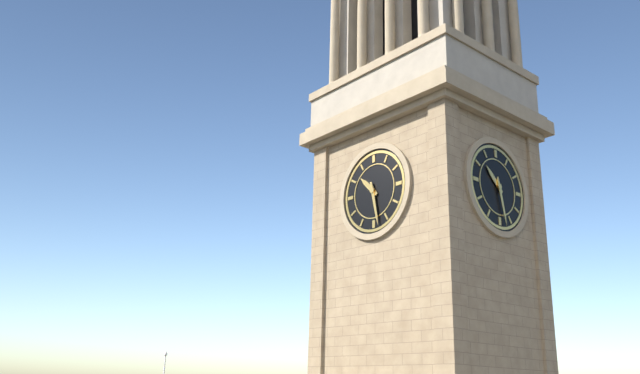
{"hour": 10, "minute": 28}
